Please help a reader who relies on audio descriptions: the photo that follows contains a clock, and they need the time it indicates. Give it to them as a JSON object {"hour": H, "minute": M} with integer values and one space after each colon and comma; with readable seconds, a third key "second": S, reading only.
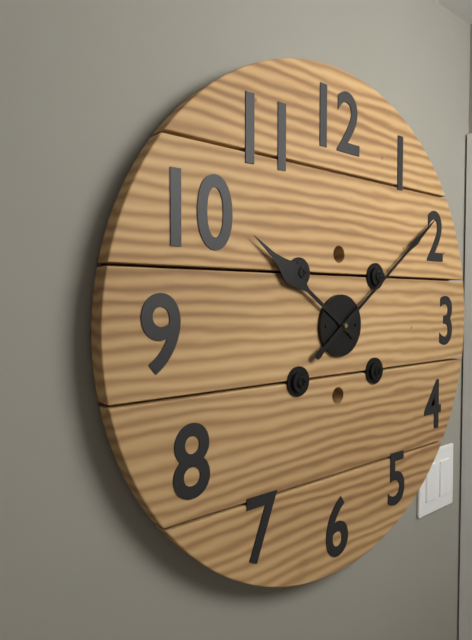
{"hour": 10, "minute": 9}
